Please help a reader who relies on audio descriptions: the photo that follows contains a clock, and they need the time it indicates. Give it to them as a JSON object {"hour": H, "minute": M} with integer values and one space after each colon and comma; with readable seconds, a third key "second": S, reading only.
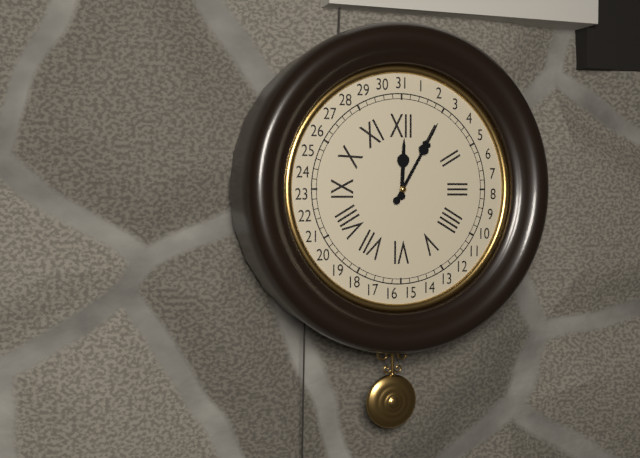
{"hour": 12, "minute": 5}
